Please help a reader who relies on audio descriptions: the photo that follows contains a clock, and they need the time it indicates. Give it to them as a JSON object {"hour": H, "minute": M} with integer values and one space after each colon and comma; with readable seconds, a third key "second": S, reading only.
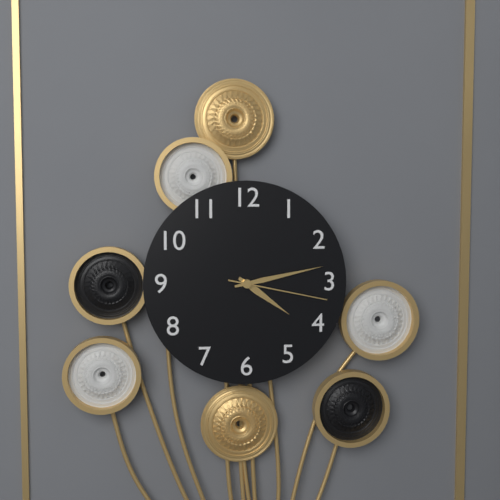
{"hour": 4, "minute": 13, "second": 17}
